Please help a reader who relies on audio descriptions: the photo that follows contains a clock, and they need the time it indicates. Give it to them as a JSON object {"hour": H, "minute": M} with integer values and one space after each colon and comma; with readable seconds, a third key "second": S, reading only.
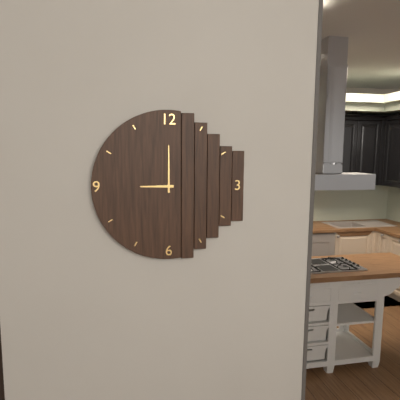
{"hour": 9, "minute": 0}
